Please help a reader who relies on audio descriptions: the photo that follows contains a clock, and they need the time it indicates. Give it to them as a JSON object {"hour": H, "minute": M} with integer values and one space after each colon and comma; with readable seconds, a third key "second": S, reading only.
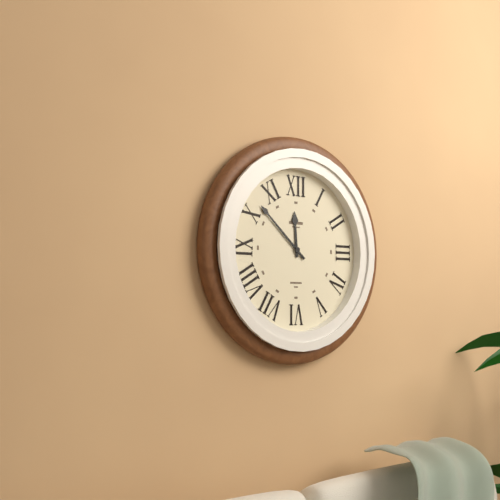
{"hour": 11, "minute": 52}
